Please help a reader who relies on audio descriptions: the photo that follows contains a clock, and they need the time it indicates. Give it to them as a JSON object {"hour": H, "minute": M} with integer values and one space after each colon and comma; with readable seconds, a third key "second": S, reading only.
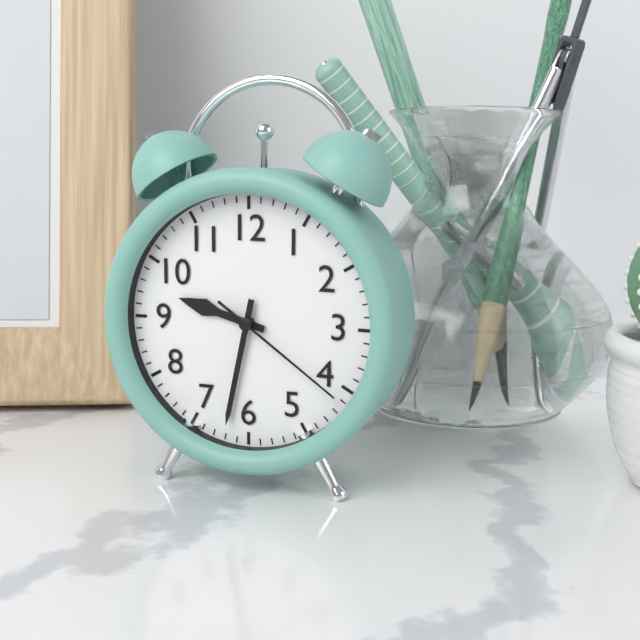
{"hour": 9, "minute": 32, "second": 21}
